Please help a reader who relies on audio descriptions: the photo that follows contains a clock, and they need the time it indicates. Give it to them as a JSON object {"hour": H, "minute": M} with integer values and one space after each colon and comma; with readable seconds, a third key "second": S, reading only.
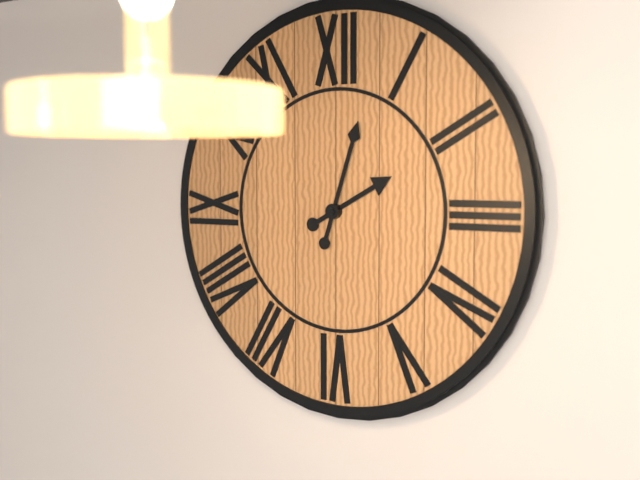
{"hour": 2, "minute": 3}
